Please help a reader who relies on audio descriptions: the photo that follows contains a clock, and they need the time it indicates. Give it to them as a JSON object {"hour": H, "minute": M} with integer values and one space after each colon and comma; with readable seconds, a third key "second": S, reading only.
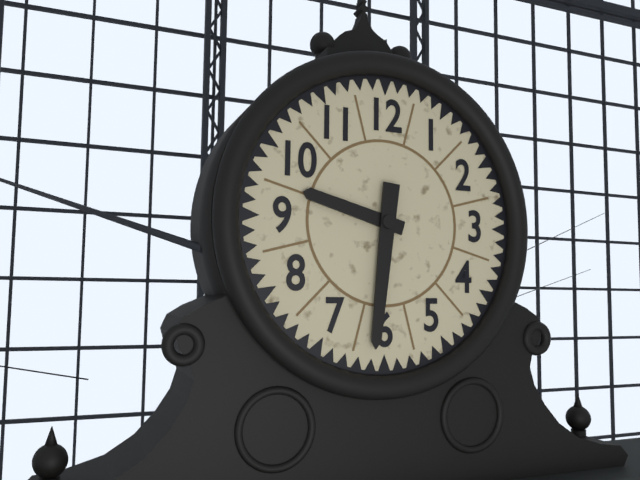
{"hour": 9, "minute": 31}
